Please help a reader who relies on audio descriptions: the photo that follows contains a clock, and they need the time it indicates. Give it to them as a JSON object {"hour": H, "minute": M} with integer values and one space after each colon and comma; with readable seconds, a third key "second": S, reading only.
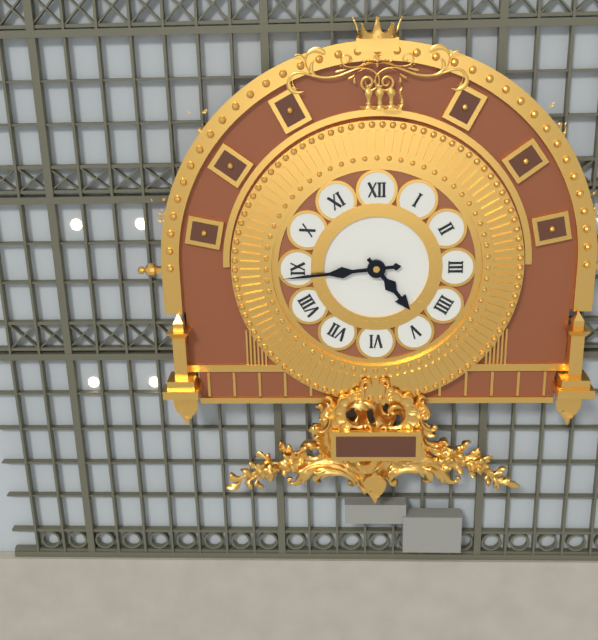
{"hour": 4, "minute": 44}
